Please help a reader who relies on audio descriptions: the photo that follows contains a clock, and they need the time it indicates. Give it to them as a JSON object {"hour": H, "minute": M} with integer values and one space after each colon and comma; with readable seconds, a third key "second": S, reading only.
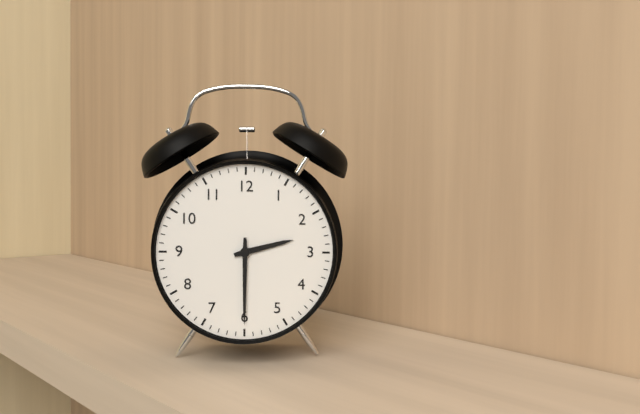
{"hour": 2, "minute": 30}
